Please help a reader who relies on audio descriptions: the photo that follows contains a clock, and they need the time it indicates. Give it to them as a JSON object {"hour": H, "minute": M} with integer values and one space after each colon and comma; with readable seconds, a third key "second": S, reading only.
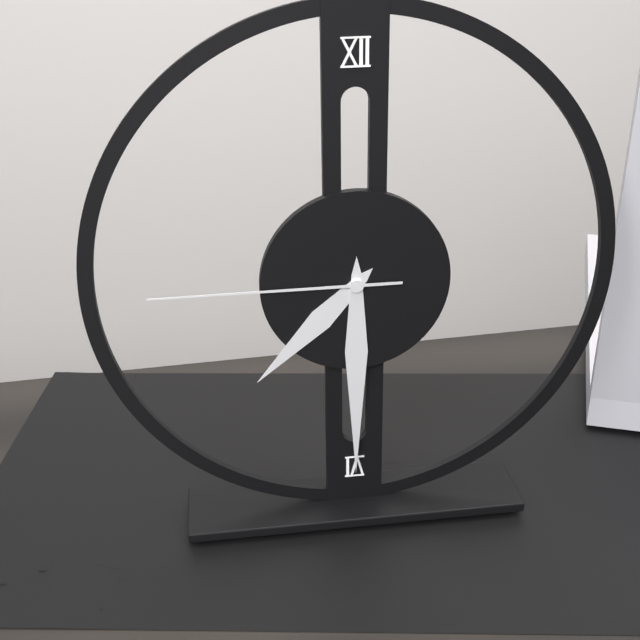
{"hour": 7, "minute": 30, "second": 45}
